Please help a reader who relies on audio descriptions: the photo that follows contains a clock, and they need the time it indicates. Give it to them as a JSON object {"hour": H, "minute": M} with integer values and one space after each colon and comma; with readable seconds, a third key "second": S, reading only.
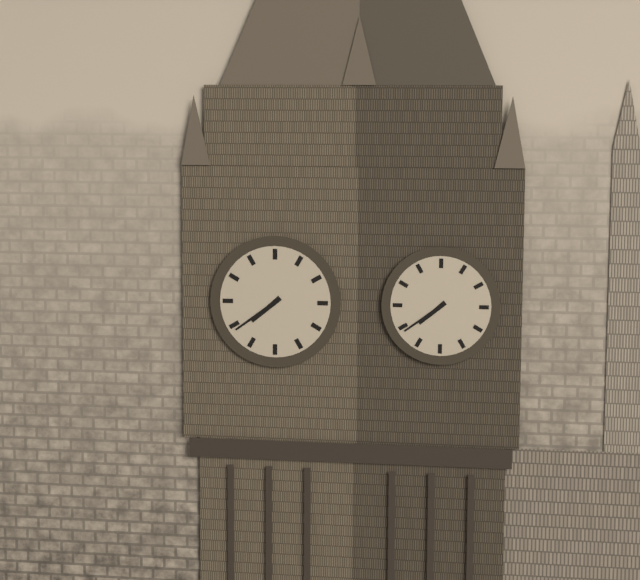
{"hour": 7, "minute": 39}
